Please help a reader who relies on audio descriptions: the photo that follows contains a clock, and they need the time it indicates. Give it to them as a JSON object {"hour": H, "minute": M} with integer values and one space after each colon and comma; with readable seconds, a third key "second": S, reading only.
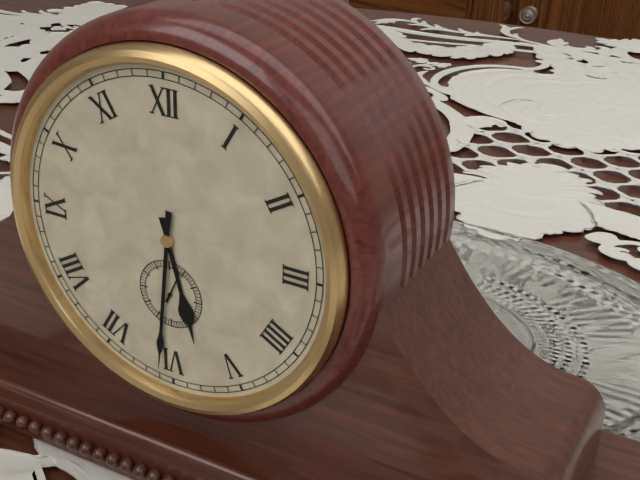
{"hour": 5, "minute": 31, "second": 4}
